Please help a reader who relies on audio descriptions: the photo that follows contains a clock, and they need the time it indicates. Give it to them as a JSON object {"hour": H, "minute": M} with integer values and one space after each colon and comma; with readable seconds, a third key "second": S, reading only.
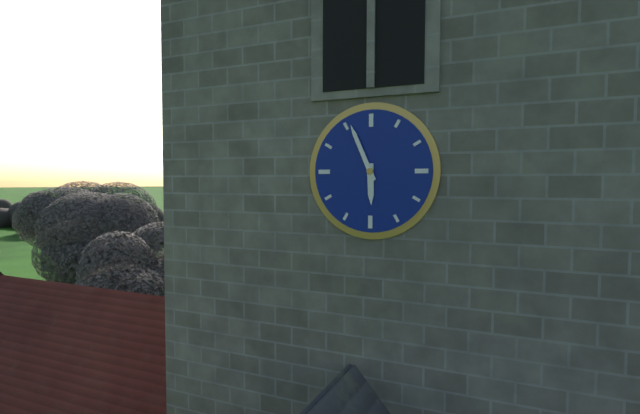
{"hour": 5, "minute": 56}
